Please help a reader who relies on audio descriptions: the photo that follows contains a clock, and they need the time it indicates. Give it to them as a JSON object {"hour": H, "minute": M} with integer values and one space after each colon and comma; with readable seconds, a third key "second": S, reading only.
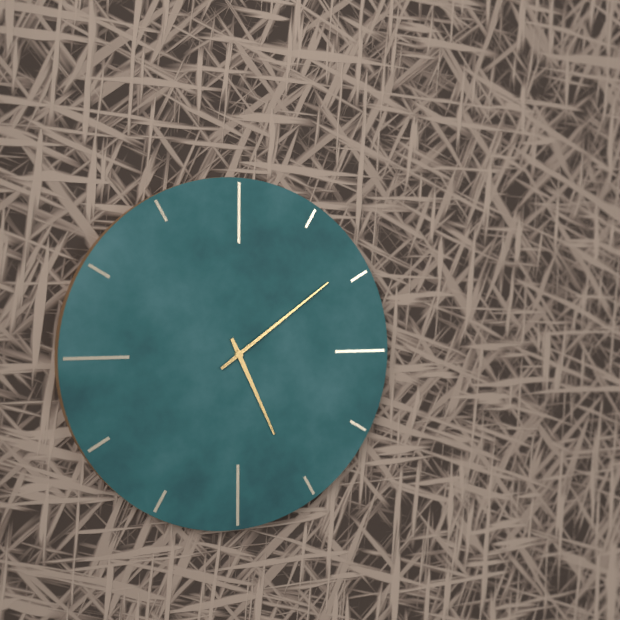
{"hour": 5, "minute": 9}
